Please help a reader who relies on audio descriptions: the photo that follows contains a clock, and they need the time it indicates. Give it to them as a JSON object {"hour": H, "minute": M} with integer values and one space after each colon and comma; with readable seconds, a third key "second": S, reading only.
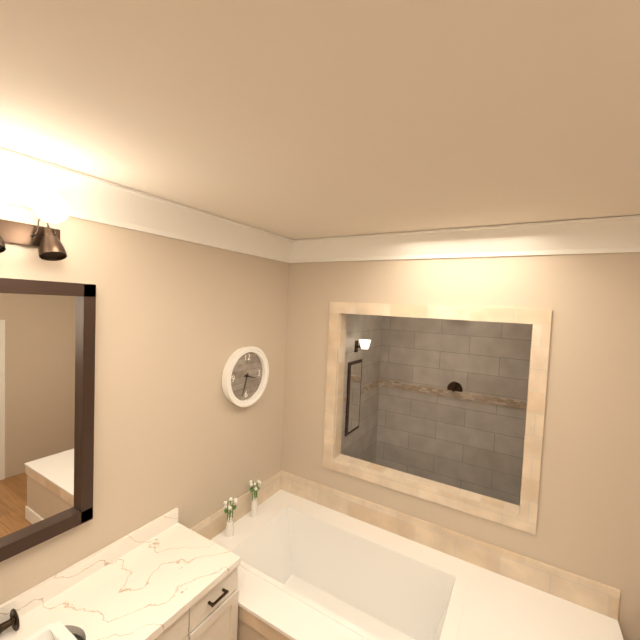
{"hour": 3, "minute": 33}
